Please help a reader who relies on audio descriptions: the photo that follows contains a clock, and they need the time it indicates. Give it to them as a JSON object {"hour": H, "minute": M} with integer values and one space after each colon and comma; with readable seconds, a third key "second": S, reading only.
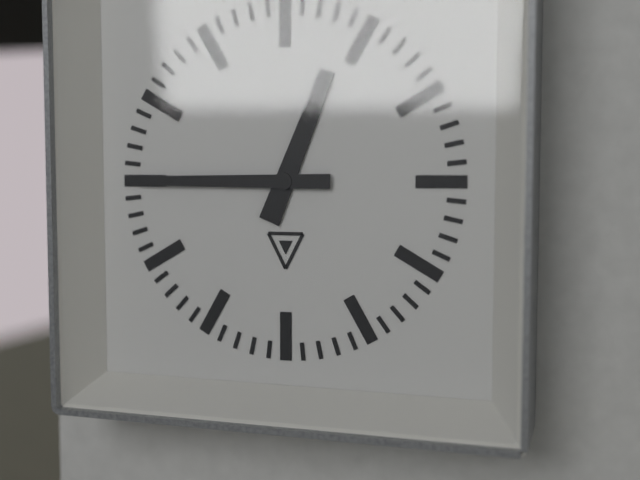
{"hour": 12, "minute": 45}
